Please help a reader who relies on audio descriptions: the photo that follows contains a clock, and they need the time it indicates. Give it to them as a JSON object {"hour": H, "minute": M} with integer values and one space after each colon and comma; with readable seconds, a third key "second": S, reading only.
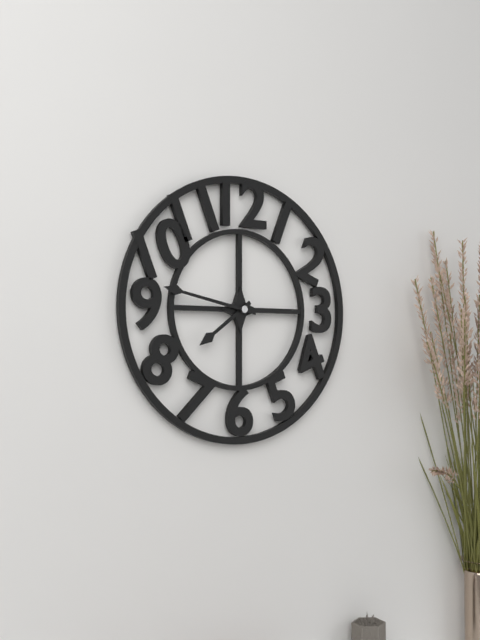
{"hour": 7, "minute": 47}
